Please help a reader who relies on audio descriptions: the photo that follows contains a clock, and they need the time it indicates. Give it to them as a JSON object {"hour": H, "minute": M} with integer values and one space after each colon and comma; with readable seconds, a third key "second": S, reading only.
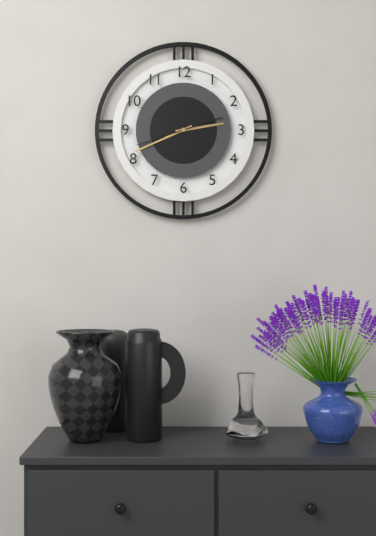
{"hour": 2, "minute": 41, "second": 42}
